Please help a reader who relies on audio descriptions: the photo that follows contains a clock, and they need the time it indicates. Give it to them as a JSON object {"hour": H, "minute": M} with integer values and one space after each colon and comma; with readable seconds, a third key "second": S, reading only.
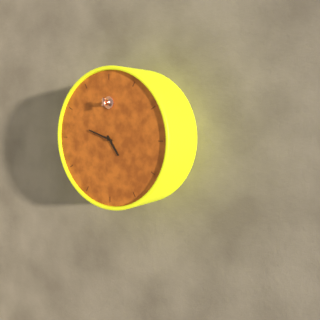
{"hour": 4, "minute": 48}
